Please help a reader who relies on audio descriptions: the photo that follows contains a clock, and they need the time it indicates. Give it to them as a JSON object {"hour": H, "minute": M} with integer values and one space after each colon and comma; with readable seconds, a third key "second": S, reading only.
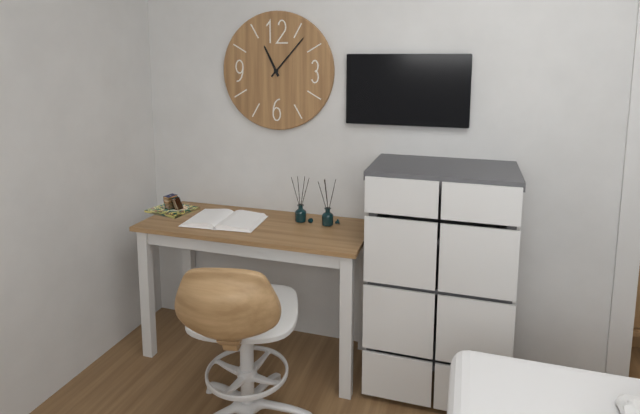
{"hour": 11, "minute": 7}
